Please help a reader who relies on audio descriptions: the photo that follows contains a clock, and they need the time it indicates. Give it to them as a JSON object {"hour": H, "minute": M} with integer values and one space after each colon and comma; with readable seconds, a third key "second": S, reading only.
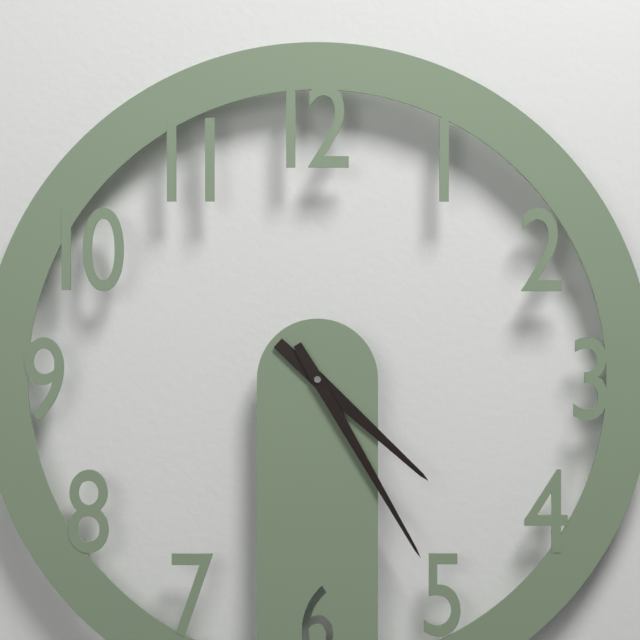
{"hour": 4, "minute": 25}
